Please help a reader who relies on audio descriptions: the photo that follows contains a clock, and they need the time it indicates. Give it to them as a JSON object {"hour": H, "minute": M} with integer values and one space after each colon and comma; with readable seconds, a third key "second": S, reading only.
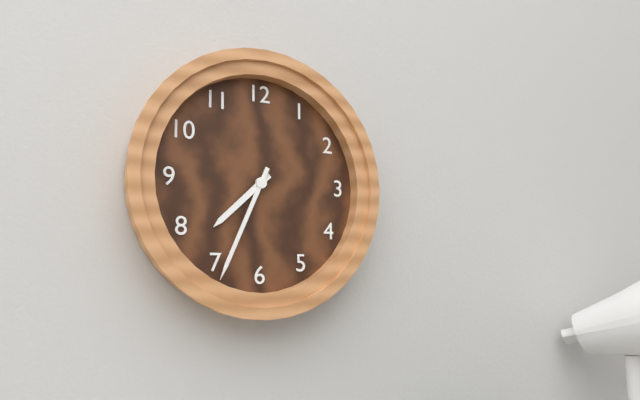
{"hour": 7, "minute": 34}
